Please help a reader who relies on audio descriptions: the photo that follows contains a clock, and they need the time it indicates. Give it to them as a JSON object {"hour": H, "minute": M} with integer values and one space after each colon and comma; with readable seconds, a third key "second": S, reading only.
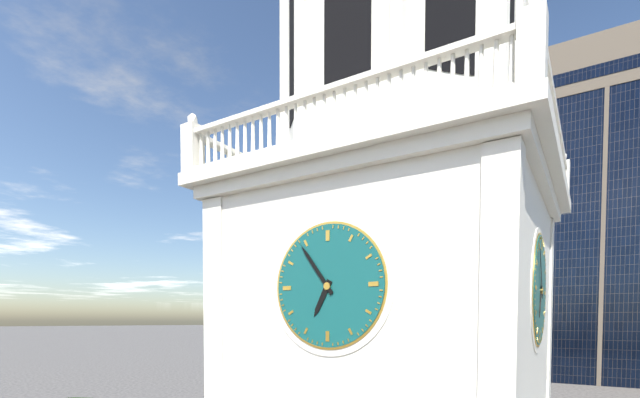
{"hour": 6, "minute": 54}
